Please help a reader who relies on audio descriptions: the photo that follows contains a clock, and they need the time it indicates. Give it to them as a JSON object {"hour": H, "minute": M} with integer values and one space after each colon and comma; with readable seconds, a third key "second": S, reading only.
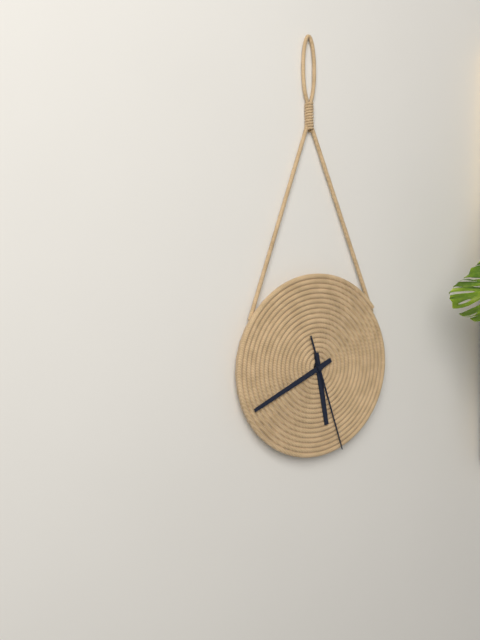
{"hour": 5, "minute": 41, "second": 27}
